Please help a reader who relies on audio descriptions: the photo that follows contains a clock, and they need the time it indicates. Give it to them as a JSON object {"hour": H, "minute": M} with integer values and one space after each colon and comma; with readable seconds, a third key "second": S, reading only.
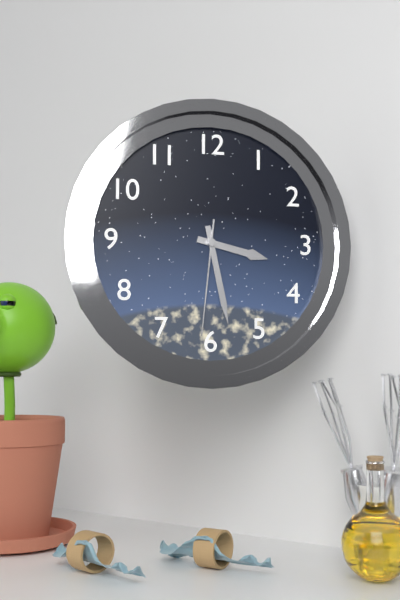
{"hour": 3, "minute": 28, "second": 31}
